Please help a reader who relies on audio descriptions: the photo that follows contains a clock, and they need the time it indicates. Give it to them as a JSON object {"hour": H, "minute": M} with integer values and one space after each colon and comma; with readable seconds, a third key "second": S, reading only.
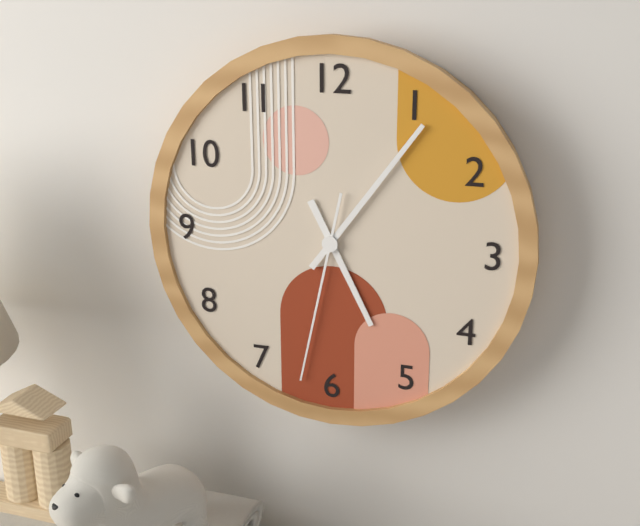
{"hour": 5, "minute": 6, "second": 32}
